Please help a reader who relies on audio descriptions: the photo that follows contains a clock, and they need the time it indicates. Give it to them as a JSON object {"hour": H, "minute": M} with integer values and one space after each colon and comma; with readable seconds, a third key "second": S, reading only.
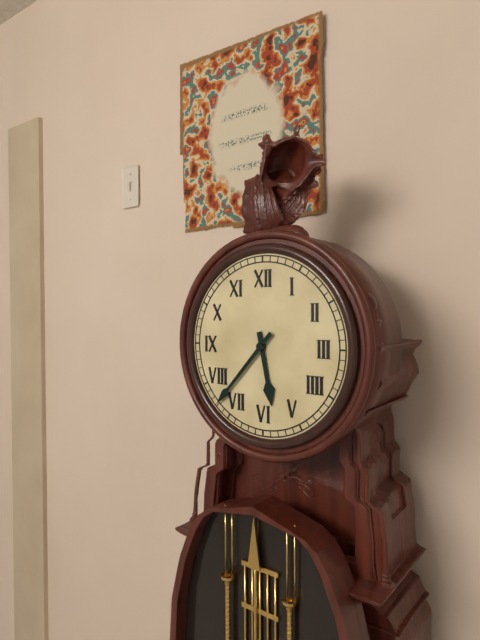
{"hour": 5, "minute": 37}
